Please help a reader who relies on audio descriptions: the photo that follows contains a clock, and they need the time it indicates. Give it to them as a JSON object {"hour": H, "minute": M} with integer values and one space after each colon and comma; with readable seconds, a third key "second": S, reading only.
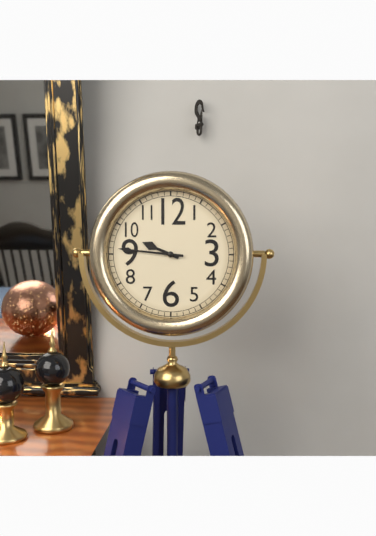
{"hour": 9, "minute": 46}
